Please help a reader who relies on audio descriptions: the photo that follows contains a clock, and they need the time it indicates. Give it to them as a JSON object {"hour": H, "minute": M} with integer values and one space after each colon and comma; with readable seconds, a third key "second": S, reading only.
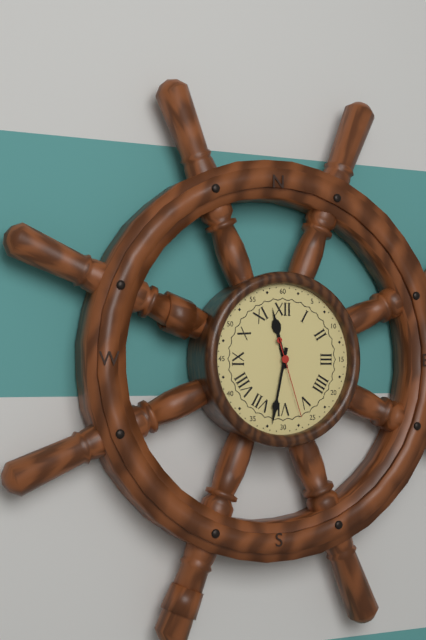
{"hour": 11, "minute": 32, "second": 27}
